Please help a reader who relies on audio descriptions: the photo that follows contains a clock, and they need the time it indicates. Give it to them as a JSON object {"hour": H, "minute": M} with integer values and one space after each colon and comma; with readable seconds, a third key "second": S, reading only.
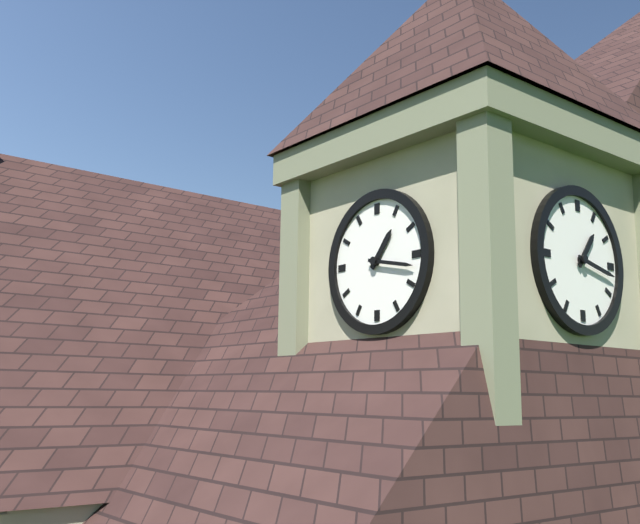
{"hour": 1, "minute": 17}
